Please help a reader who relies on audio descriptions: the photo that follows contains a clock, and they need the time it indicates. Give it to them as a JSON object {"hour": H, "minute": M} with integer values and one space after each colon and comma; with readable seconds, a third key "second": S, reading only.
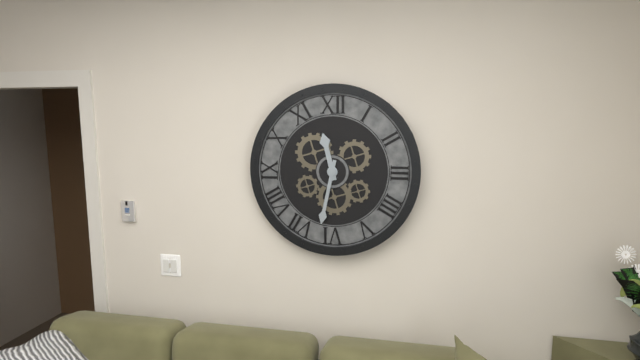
{"hour": 11, "minute": 32}
